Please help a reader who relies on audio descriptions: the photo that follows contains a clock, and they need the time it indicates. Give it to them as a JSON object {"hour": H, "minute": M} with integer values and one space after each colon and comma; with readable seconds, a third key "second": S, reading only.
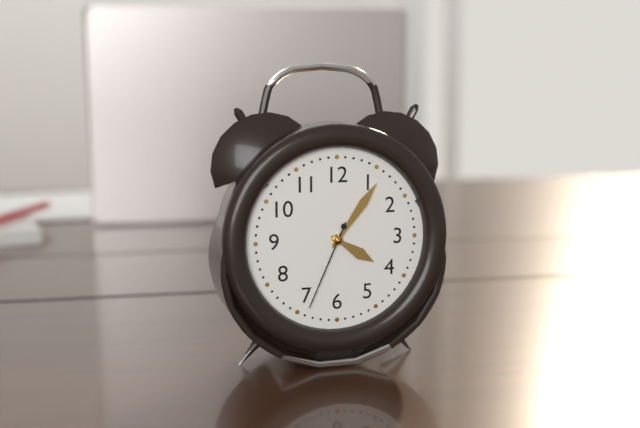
{"hour": 4, "minute": 6, "second": 34}
